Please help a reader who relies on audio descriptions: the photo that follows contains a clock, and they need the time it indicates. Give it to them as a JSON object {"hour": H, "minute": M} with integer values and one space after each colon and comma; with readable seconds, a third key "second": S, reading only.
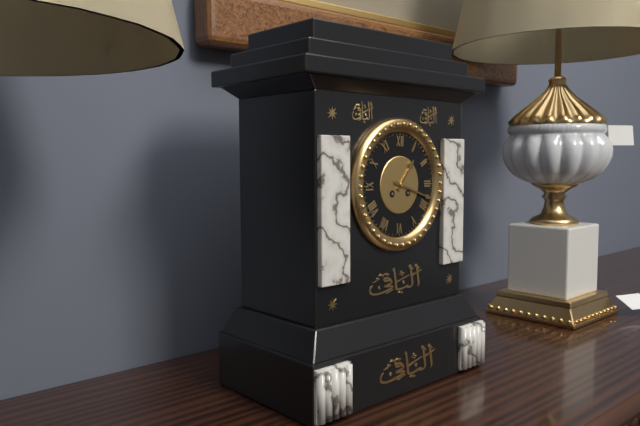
{"hour": 1, "minute": 18}
